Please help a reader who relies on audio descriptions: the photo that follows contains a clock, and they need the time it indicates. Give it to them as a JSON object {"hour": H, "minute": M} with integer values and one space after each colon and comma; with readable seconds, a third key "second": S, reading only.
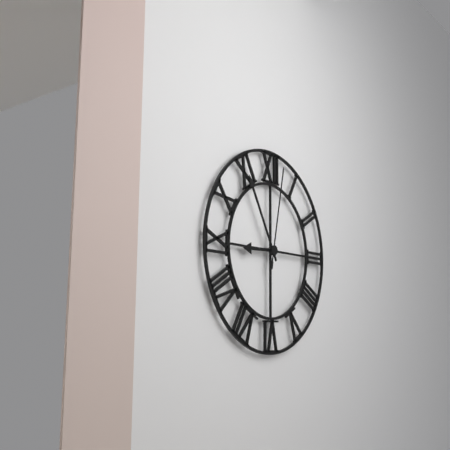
{"hour": 8, "minute": 55, "second": 2}
